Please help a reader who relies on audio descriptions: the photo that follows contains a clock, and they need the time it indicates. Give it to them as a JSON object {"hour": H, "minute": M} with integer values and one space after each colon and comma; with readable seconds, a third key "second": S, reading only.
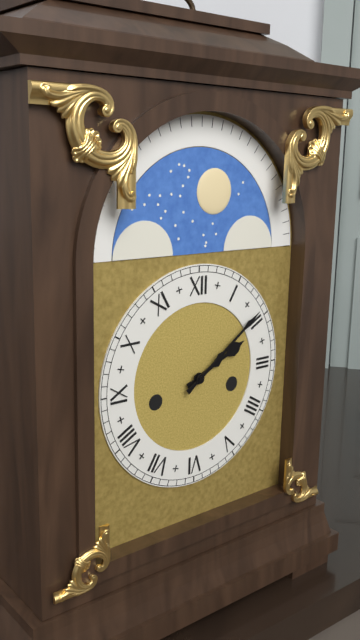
{"hour": 2, "minute": 9}
